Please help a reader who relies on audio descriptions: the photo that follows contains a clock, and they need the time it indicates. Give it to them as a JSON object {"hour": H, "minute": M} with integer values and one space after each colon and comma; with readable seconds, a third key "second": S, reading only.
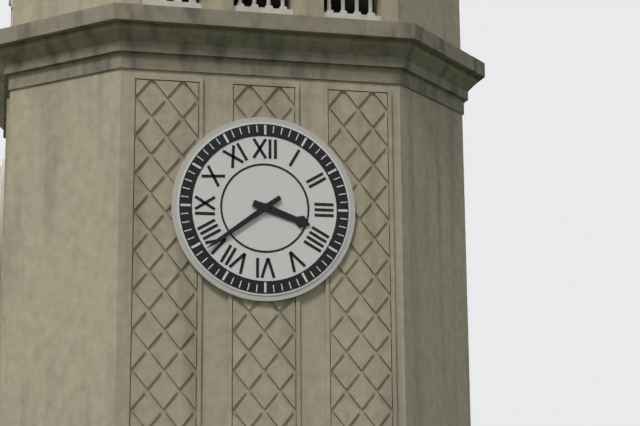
{"hour": 3, "minute": 39}
